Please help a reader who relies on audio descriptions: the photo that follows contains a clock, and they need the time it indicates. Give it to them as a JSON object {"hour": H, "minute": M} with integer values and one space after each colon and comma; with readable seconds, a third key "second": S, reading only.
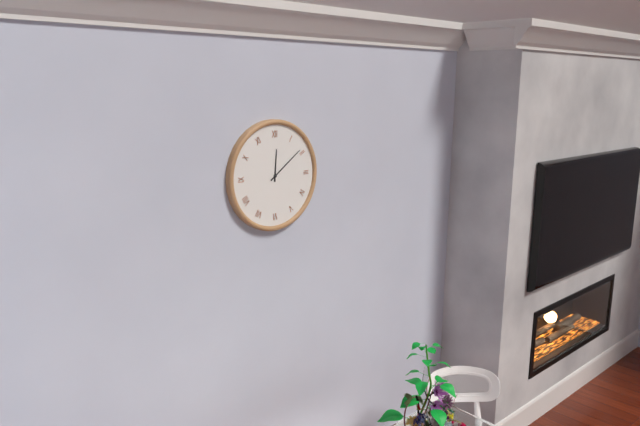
{"hour": 12, "minute": 9}
